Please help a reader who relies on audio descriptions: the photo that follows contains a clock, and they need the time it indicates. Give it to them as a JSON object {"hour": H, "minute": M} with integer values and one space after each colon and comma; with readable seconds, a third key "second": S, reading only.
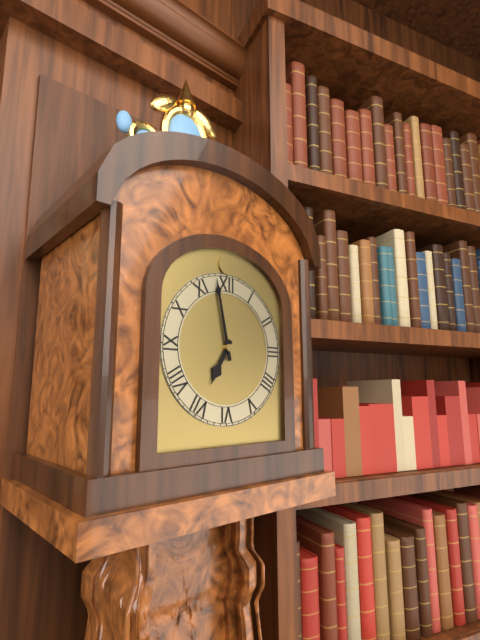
{"hour": 6, "minute": 58}
